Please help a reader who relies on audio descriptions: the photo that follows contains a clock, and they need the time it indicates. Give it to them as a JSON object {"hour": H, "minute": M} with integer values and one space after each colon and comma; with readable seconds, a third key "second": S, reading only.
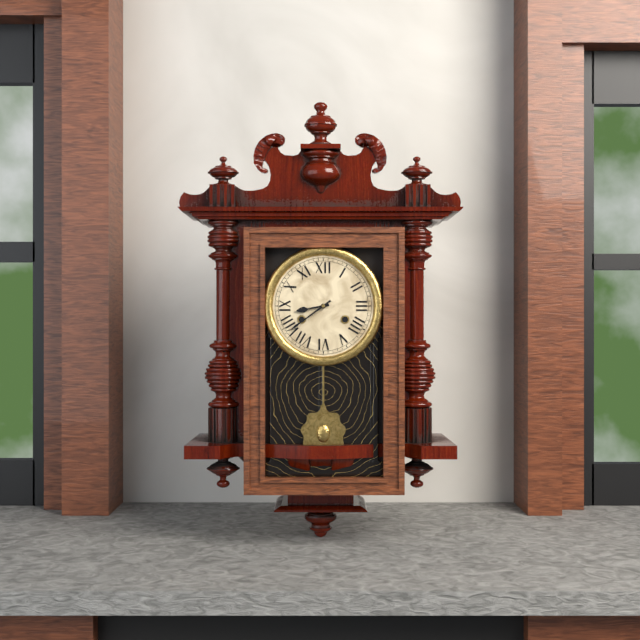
{"hour": 8, "minute": 39}
